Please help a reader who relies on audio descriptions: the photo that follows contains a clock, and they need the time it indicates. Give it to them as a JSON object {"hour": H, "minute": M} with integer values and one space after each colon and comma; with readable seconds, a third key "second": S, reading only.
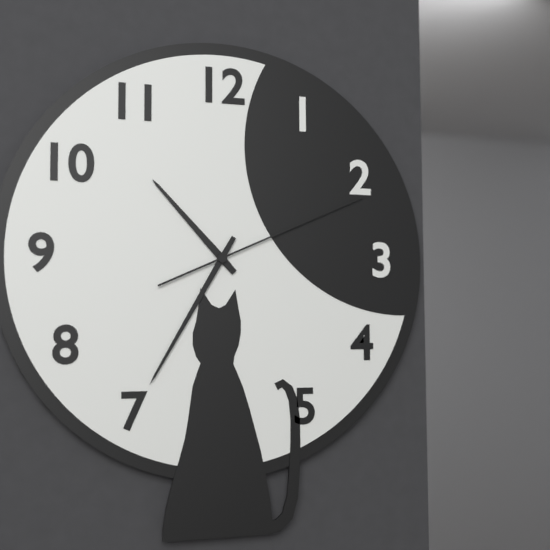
{"hour": 10, "minute": 35, "second": 11}
